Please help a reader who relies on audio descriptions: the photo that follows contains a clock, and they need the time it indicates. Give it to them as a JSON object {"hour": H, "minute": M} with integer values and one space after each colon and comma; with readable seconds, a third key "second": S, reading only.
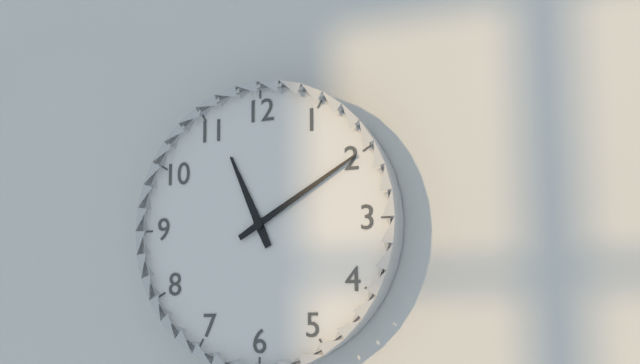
{"hour": 11, "minute": 10}
